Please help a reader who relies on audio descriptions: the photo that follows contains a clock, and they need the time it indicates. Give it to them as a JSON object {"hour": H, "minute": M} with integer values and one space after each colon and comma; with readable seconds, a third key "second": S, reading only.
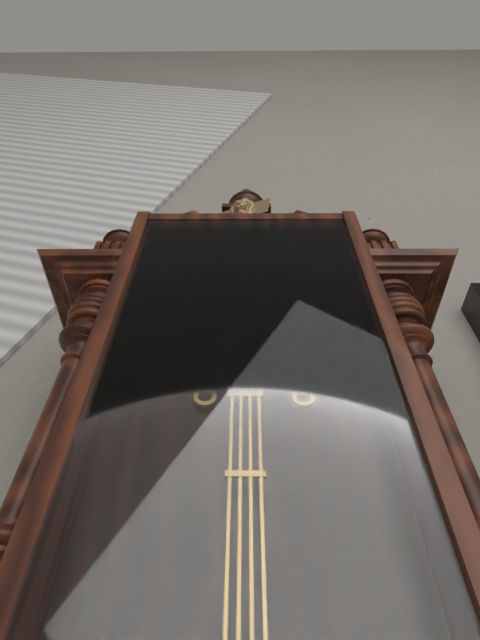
{"hour": 5, "minute": 23}
